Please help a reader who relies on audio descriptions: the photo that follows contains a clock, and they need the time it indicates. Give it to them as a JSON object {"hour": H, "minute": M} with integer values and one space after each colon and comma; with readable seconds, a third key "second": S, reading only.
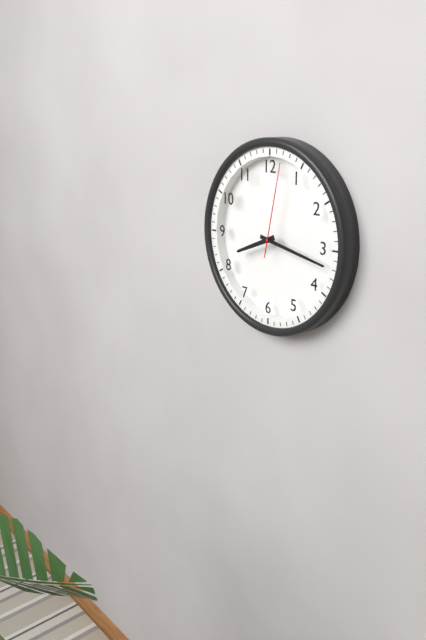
{"hour": 8, "minute": 17, "second": 2}
